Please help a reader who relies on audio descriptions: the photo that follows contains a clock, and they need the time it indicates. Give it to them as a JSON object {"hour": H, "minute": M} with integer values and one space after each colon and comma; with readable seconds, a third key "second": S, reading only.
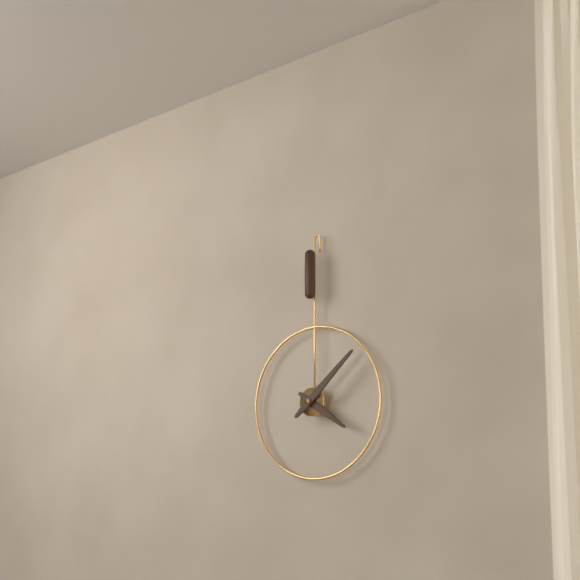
{"hour": 4, "minute": 8}
